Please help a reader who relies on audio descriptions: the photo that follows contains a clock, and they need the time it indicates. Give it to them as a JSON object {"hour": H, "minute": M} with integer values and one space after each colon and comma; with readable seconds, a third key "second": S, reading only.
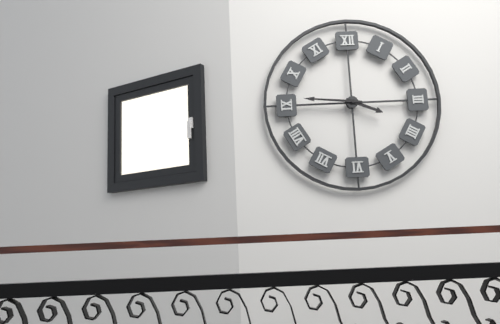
{"hour": 3, "minute": 46}
